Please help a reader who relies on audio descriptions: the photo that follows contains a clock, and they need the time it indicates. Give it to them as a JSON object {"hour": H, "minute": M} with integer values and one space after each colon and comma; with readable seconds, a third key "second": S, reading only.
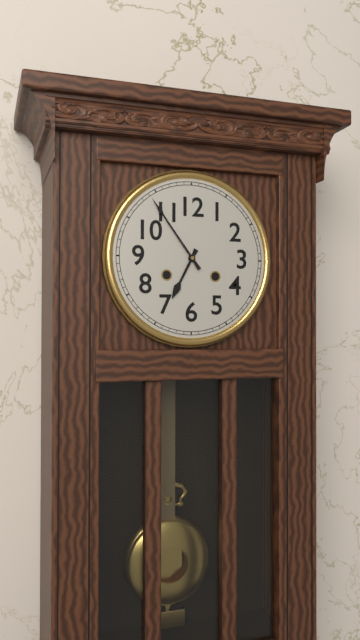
{"hour": 6, "minute": 54}
